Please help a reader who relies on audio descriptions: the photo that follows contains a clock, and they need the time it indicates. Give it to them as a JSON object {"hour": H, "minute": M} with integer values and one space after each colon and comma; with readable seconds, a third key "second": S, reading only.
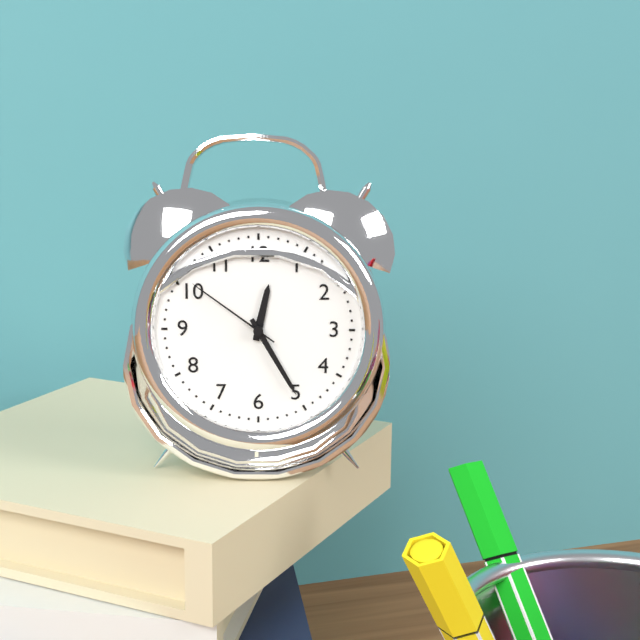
{"hour": 12, "minute": 25, "second": 51}
